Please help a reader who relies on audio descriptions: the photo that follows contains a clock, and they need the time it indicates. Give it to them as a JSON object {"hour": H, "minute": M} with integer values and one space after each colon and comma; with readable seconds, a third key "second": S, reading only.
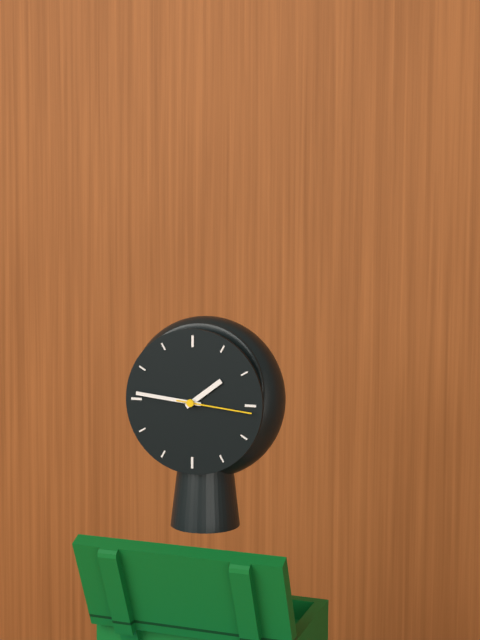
{"hour": 1, "minute": 46, "second": 16}
